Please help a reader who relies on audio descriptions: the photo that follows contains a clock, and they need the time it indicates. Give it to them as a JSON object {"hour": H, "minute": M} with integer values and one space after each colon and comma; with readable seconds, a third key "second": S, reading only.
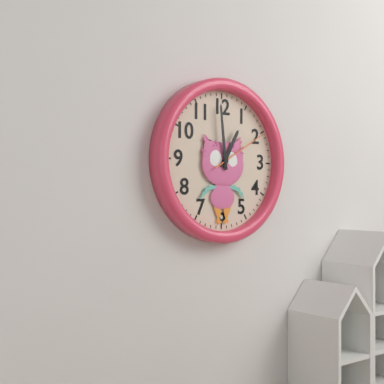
{"hour": 12, "minute": 59, "second": 10}
